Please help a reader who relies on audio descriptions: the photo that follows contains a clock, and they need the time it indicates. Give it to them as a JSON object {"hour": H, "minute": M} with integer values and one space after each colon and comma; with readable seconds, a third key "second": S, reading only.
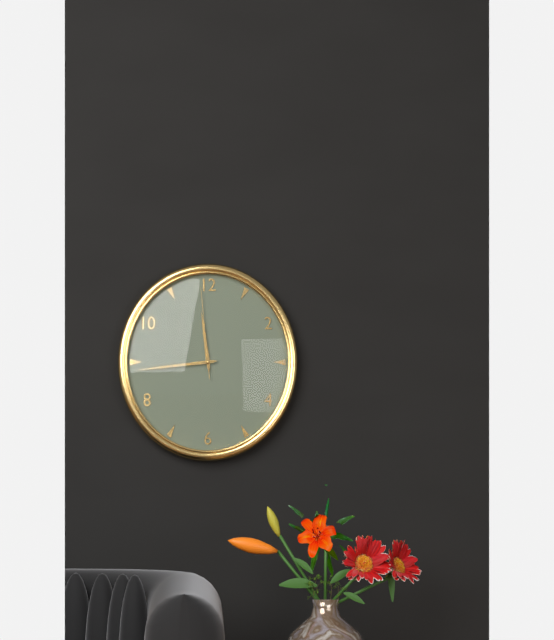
{"hour": 11, "minute": 44, "second": 59}
